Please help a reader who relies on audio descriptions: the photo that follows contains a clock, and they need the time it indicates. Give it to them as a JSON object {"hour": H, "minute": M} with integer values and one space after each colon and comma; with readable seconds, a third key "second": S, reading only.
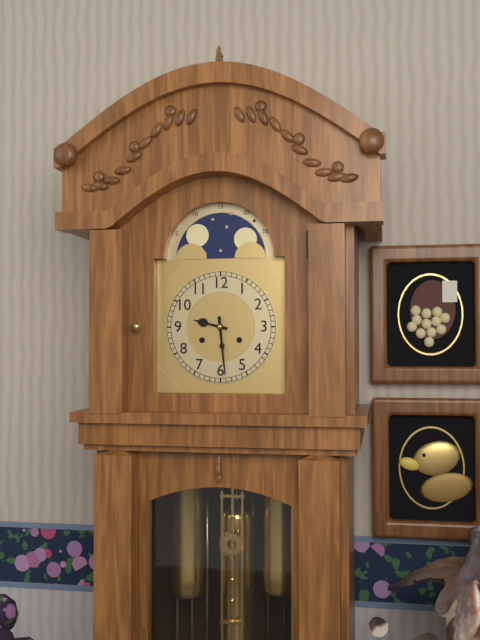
{"hour": 9, "minute": 29}
